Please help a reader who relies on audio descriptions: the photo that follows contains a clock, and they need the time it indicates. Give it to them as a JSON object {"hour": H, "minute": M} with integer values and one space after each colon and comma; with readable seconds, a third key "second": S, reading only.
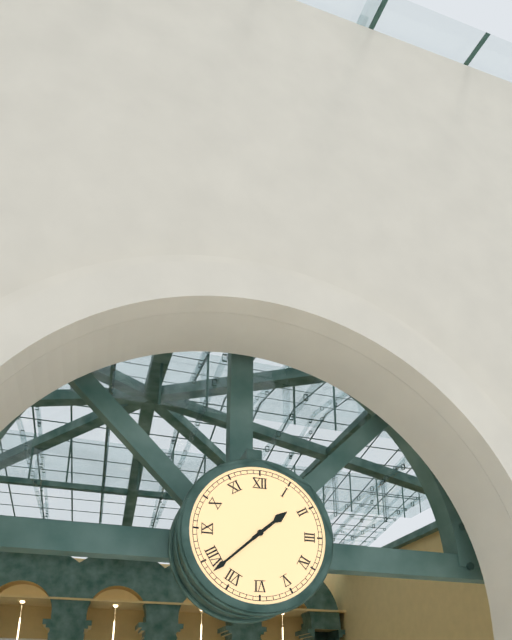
{"hour": 1, "minute": 38}
